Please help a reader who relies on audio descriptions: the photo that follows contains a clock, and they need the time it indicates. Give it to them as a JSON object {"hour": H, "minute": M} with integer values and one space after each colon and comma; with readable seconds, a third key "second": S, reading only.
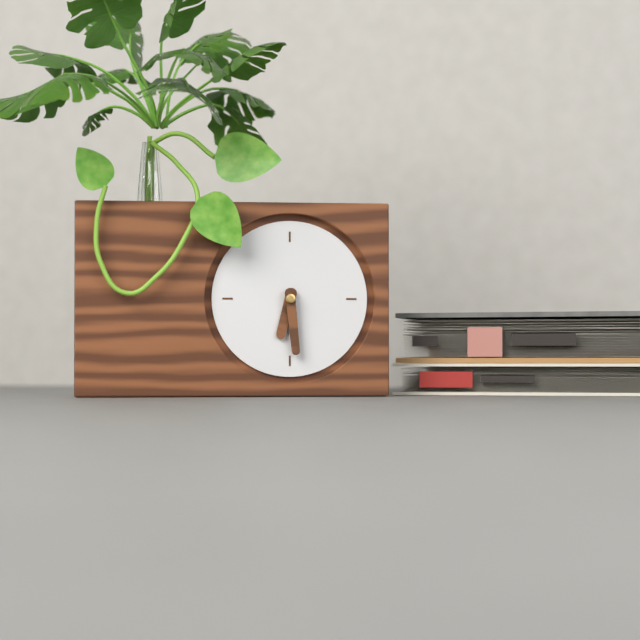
{"hour": 6, "minute": 29}
